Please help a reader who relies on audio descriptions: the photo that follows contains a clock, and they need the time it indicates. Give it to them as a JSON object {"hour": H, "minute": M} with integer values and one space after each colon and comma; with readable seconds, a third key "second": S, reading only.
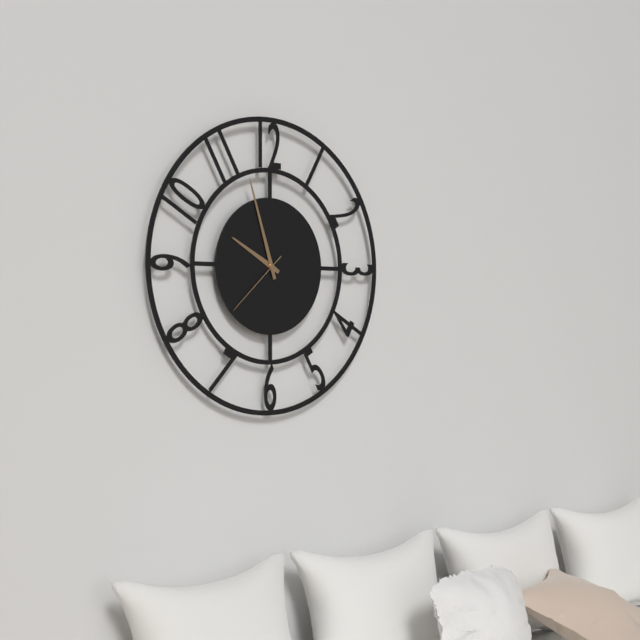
{"hour": 9, "minute": 57, "second": 38}
